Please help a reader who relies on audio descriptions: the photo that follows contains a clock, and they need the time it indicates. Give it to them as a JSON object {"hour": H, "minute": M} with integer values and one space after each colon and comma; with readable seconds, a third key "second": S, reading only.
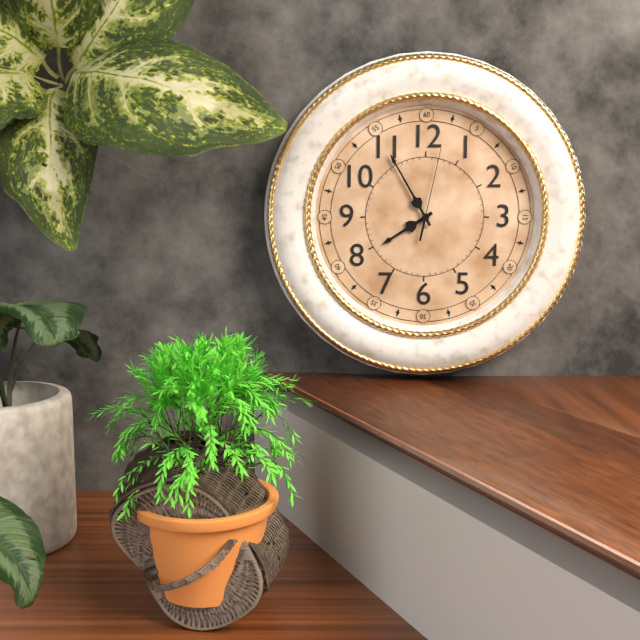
{"hour": 7, "minute": 55, "second": 2}
